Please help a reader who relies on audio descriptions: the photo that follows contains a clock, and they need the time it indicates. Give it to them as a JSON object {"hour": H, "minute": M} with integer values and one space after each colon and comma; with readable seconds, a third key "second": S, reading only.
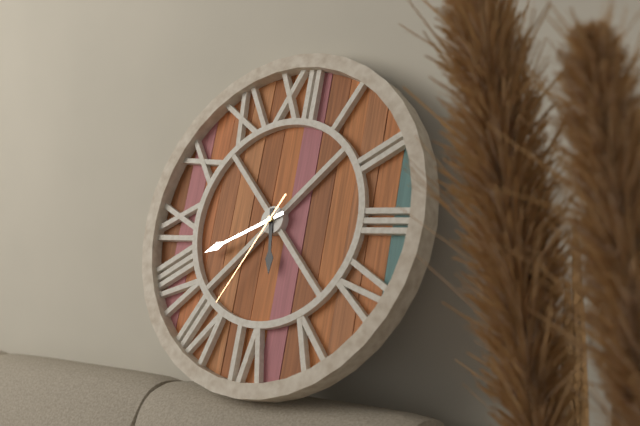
{"hour": 5, "minute": 41, "second": 35}
